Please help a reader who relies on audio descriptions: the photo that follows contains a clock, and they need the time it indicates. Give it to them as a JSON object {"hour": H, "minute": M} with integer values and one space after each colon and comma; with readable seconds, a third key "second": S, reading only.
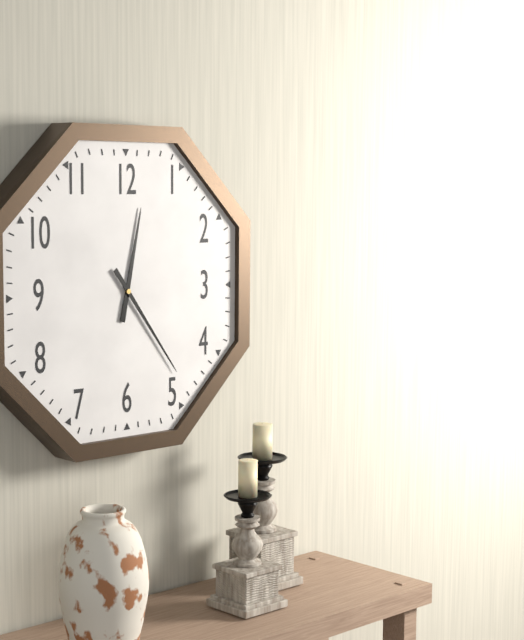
{"hour": 12, "minute": 24}
